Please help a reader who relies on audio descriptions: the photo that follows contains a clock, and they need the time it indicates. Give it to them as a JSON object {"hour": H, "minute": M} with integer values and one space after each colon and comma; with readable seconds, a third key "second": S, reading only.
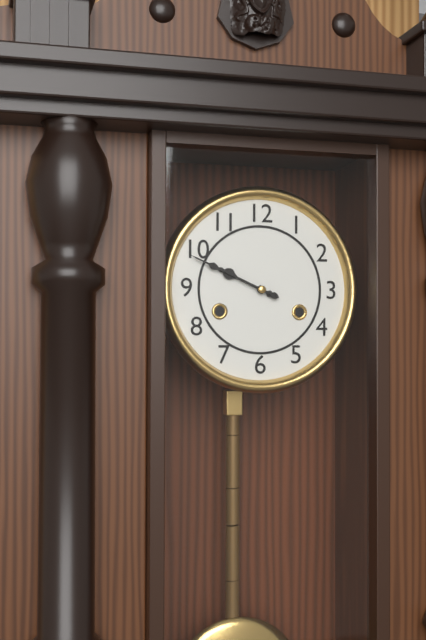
{"hour": 9, "minute": 49}
